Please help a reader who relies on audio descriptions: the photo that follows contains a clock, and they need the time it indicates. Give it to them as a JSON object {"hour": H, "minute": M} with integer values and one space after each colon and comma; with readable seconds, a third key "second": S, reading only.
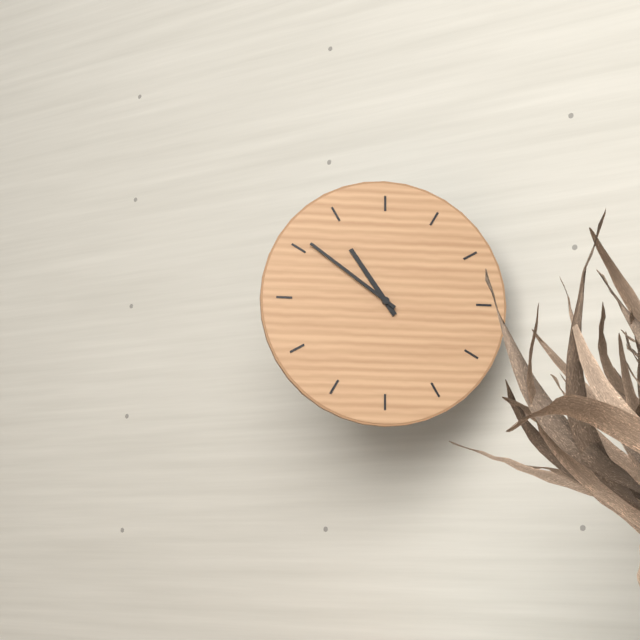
{"hour": 10, "minute": 51}
